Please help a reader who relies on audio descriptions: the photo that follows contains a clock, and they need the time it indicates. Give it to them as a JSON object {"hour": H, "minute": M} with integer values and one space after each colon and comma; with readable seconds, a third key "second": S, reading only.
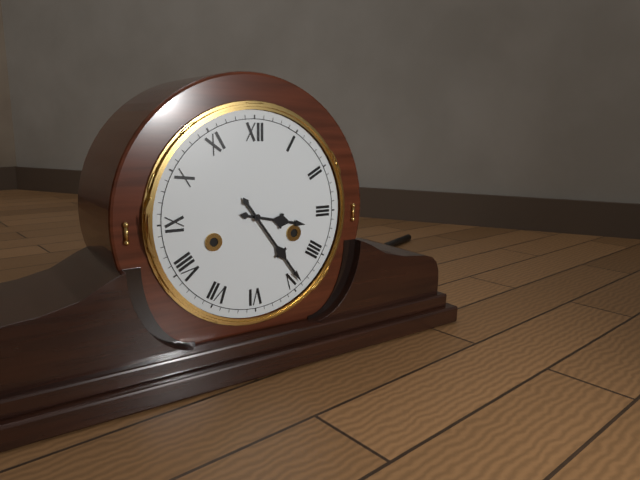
{"hour": 3, "minute": 24}
